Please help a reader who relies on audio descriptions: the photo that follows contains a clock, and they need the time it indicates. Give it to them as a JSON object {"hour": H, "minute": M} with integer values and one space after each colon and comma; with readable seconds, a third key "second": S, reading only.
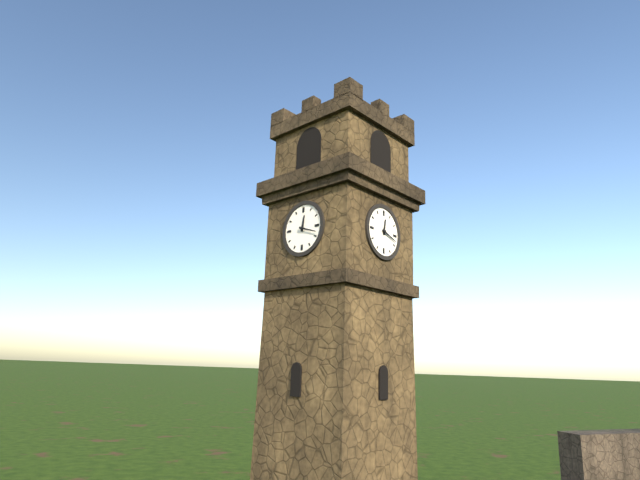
{"hour": 12, "minute": 18}
